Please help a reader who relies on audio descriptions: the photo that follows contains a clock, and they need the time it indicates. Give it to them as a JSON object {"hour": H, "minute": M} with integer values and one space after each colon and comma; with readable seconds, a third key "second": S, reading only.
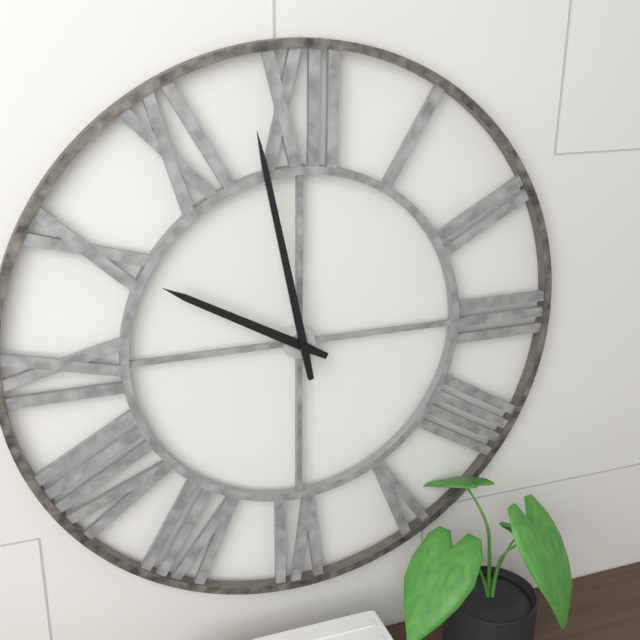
{"hour": 9, "minute": 58}
